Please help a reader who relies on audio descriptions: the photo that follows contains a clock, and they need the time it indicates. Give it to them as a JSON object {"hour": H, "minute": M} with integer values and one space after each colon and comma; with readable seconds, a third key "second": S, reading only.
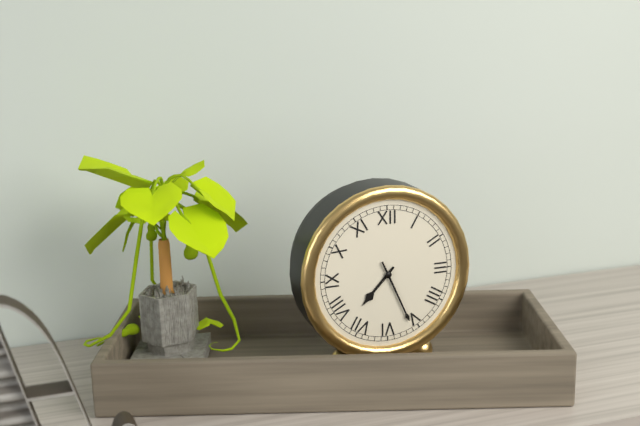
{"hour": 7, "minute": 26}
